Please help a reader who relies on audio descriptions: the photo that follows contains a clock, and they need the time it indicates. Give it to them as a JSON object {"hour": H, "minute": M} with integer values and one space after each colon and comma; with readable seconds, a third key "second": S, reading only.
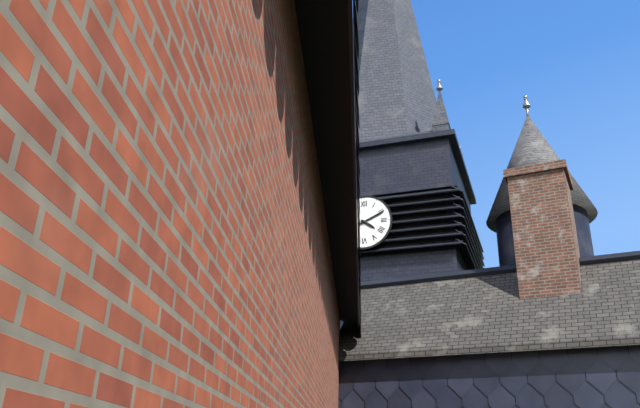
{"hour": 4, "minute": 11}
